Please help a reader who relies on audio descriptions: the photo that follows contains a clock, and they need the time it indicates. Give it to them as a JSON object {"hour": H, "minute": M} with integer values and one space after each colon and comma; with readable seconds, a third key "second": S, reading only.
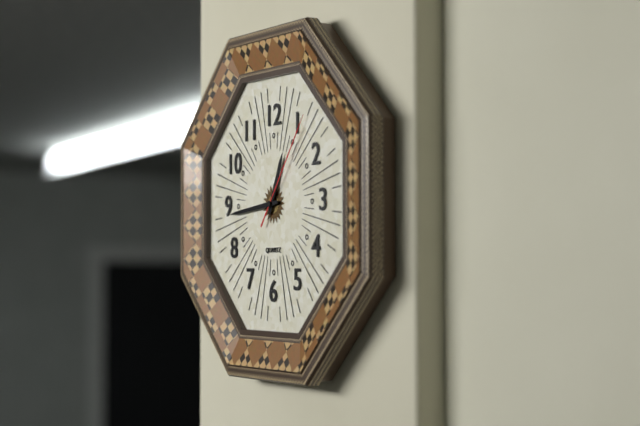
{"hour": 12, "minute": 44, "second": 6}
